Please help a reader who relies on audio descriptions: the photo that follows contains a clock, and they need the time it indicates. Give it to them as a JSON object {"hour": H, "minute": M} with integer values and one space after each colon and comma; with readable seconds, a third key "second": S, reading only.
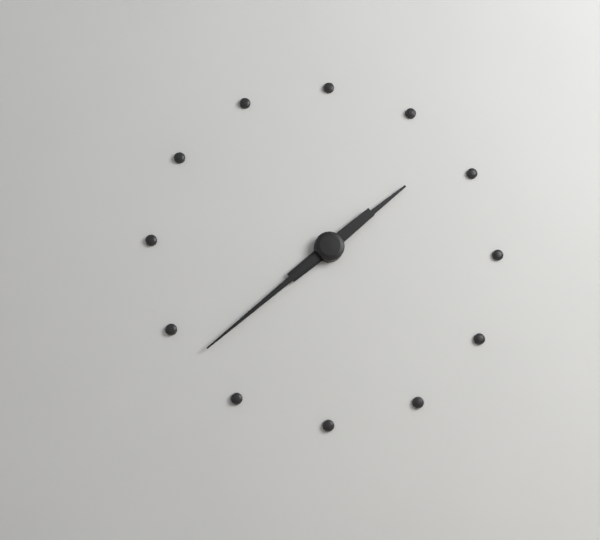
{"hour": 1, "minute": 38}
